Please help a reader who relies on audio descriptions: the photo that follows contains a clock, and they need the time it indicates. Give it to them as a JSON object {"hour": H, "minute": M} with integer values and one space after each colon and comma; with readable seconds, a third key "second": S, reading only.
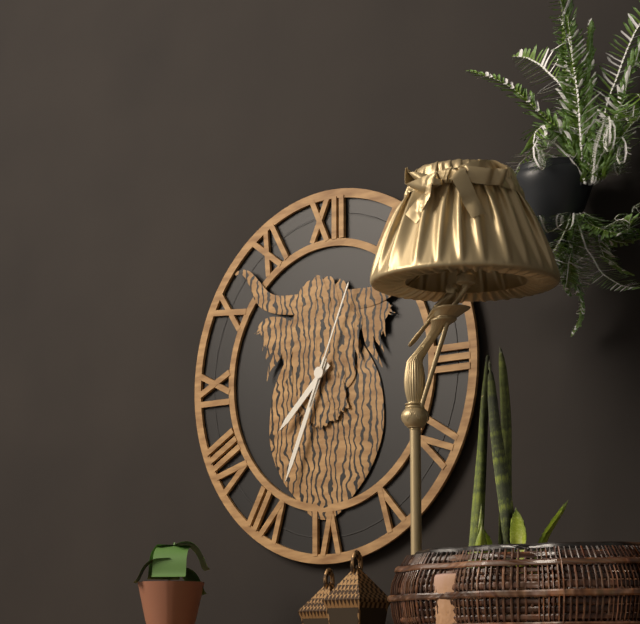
{"hour": 7, "minute": 34, "second": 4}
